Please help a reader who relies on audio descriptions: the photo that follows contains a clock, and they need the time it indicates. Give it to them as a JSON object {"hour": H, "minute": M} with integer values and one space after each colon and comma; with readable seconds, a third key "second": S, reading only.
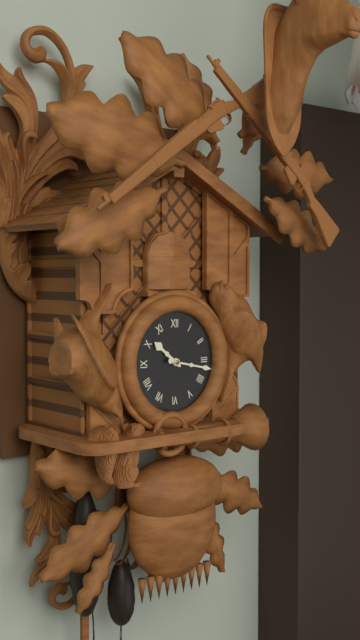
{"hour": 10, "minute": 17}
